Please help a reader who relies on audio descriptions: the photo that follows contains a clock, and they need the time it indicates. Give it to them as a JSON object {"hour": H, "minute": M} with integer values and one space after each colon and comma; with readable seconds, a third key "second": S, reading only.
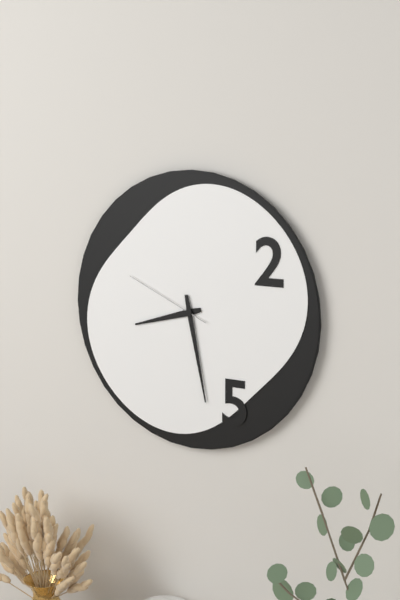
{"hour": 8, "minute": 28, "second": 49}
